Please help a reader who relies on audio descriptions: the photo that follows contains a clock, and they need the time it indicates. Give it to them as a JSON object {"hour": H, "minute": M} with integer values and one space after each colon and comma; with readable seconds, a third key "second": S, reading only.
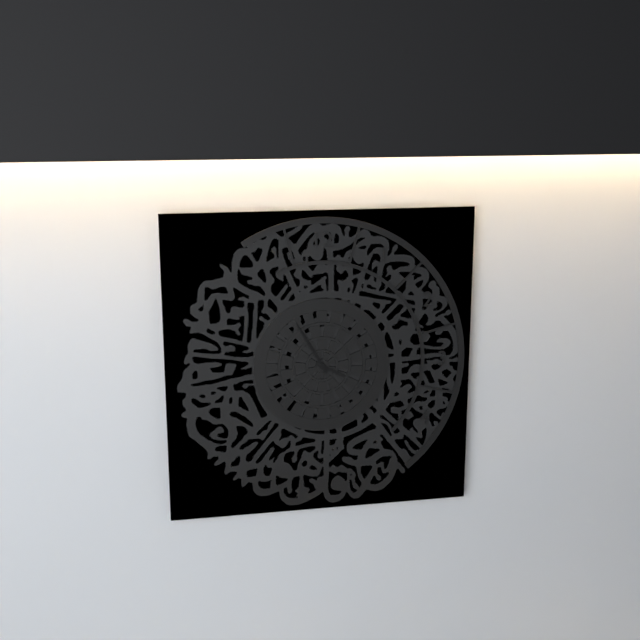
{"hour": 3, "minute": 55}
